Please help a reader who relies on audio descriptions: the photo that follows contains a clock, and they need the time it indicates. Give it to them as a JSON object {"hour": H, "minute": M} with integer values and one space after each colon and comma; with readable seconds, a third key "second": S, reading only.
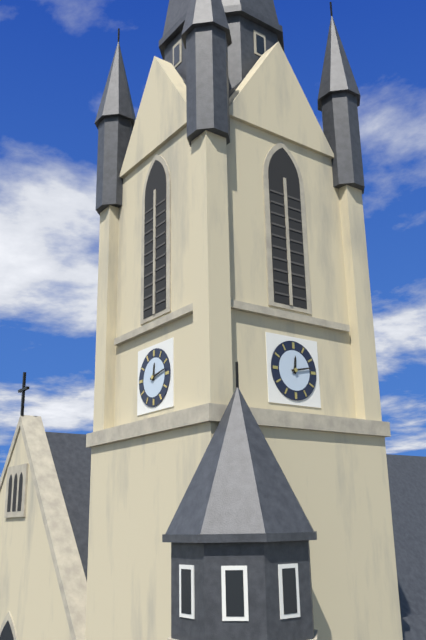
{"hour": 12, "minute": 13}
